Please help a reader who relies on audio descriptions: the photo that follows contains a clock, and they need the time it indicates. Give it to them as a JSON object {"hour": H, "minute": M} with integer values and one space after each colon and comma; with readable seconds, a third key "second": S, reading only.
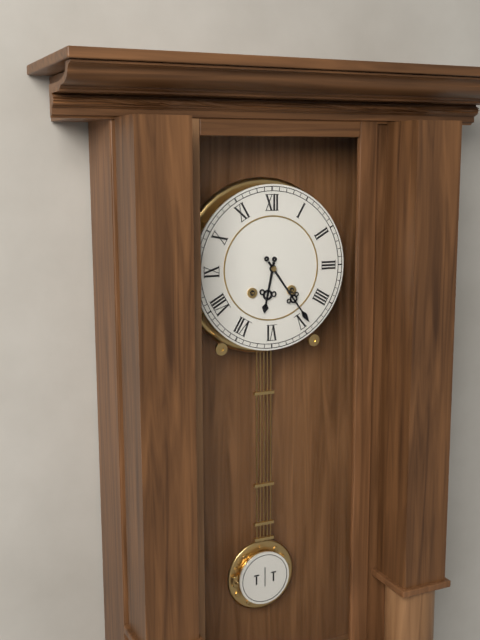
{"hour": 6, "minute": 24}
